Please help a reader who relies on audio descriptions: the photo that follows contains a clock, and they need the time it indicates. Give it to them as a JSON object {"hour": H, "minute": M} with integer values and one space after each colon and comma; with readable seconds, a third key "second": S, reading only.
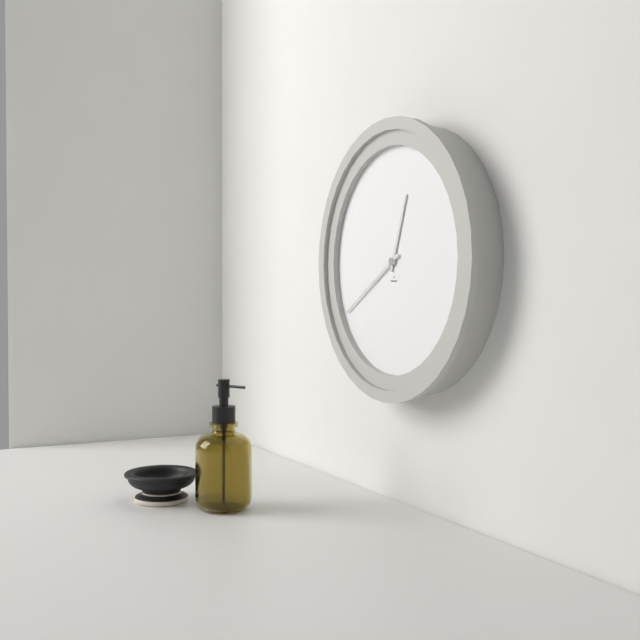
{"hour": 12, "minute": 40}
